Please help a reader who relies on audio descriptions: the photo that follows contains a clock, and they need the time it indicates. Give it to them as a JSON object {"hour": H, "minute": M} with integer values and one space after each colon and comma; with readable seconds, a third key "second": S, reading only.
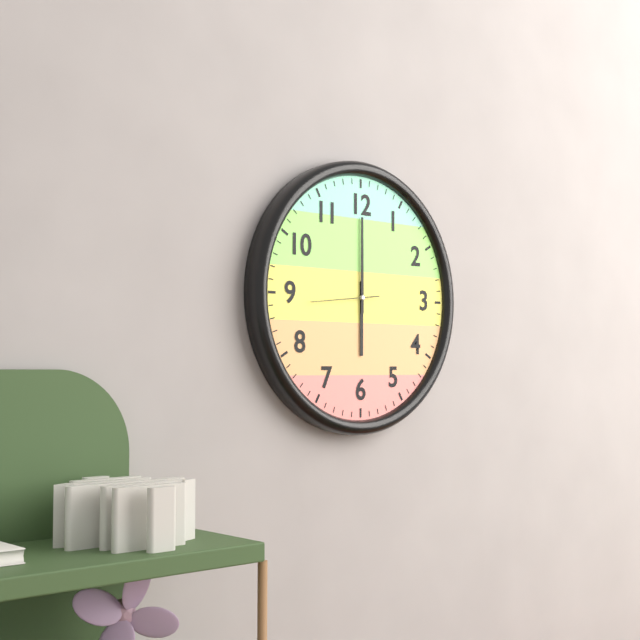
{"hour": 6, "minute": 0, "second": 44}
